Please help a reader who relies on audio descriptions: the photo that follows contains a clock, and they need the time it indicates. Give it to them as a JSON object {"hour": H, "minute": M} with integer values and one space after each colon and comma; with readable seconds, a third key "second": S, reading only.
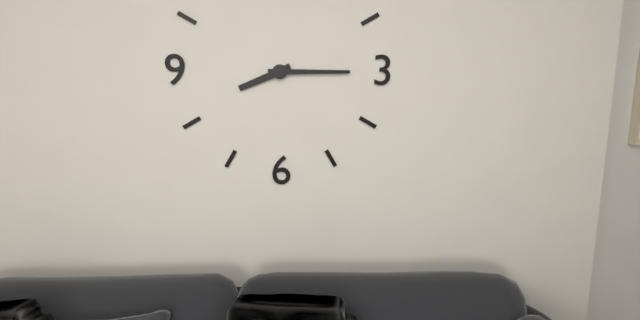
{"hour": 8, "minute": 15}
